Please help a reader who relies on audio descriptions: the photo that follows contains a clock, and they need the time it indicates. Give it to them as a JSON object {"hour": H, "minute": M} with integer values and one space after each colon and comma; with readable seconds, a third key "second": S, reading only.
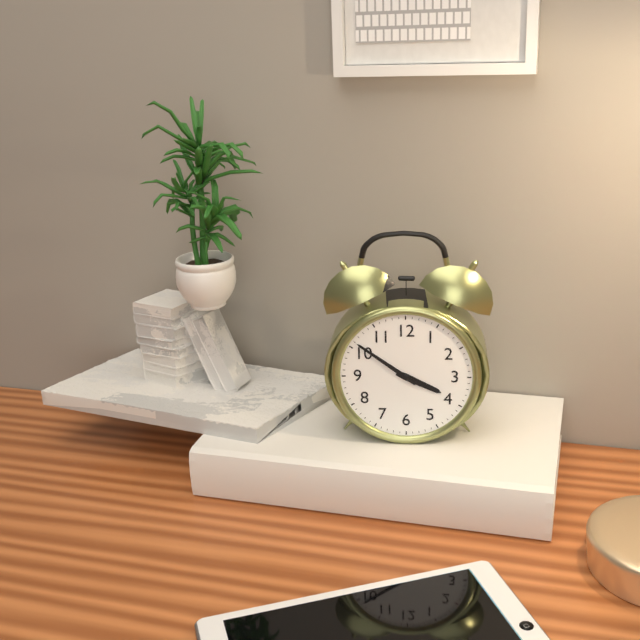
{"hour": 3, "minute": 51}
